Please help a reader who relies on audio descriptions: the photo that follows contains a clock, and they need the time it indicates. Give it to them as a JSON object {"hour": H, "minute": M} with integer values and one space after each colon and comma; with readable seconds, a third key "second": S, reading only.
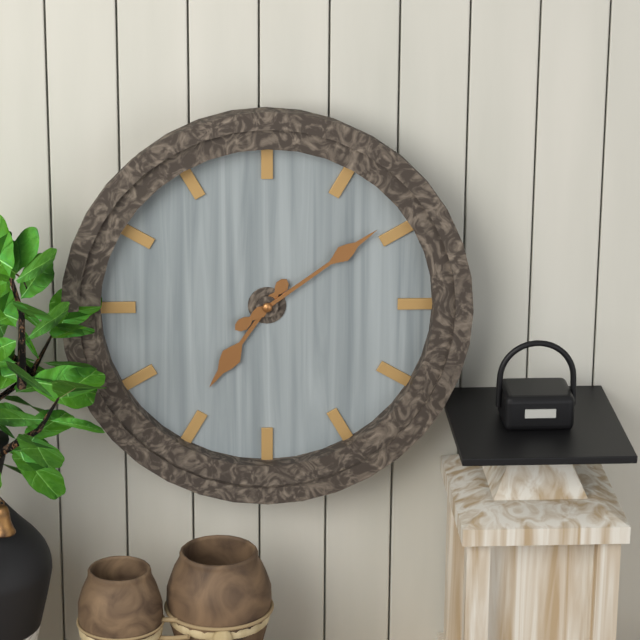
{"hour": 7, "minute": 9}
